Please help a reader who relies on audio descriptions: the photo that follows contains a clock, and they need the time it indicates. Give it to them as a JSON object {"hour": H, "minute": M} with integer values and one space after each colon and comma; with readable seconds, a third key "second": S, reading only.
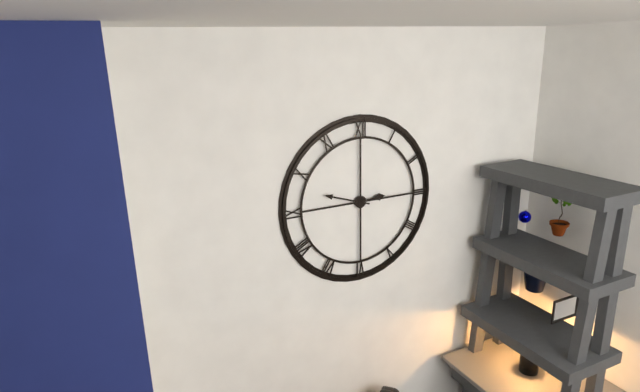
{"hour": 2, "minute": 48}
